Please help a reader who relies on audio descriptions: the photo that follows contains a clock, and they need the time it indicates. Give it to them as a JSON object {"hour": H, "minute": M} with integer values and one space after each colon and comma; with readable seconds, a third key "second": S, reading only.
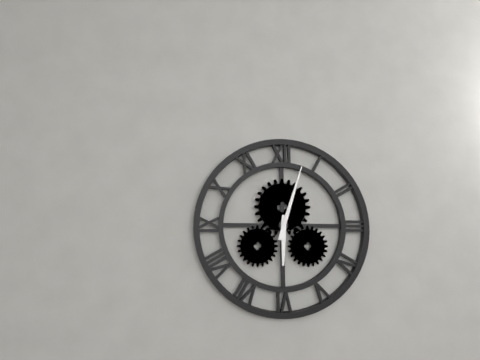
{"hour": 6, "minute": 3}
